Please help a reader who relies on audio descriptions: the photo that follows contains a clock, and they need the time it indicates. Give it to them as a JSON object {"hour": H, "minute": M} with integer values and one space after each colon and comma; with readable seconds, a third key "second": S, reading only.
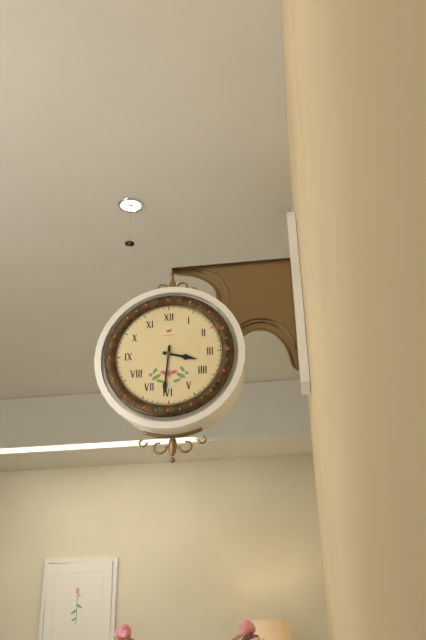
{"hour": 3, "minute": 31}
